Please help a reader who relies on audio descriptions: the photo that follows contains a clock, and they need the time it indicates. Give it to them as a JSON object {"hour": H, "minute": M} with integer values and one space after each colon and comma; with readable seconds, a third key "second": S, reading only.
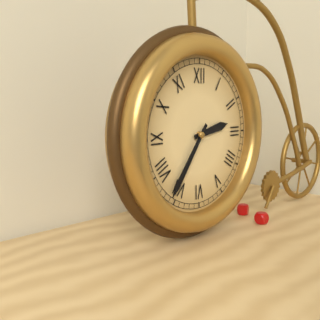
{"hour": 2, "minute": 36}
